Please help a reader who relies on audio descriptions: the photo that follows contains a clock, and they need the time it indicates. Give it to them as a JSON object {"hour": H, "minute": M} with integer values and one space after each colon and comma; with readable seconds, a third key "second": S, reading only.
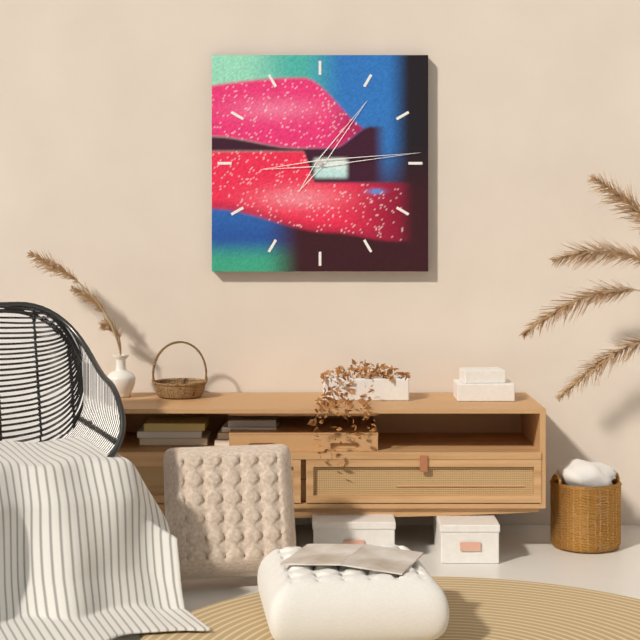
{"hour": 1, "minute": 14}
